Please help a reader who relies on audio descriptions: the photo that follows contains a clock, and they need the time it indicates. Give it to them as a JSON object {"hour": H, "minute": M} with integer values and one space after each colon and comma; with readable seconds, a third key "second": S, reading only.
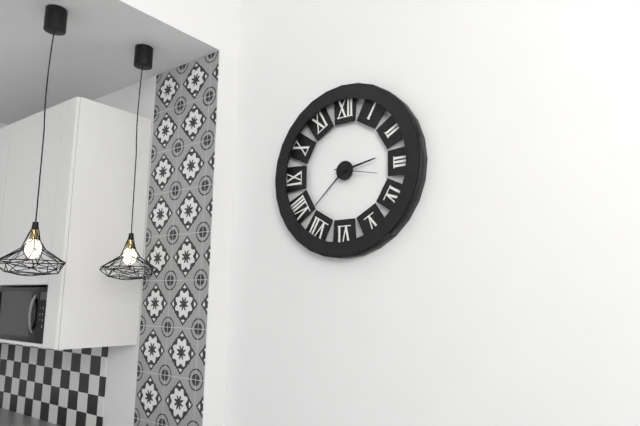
{"hour": 2, "minute": 38}
